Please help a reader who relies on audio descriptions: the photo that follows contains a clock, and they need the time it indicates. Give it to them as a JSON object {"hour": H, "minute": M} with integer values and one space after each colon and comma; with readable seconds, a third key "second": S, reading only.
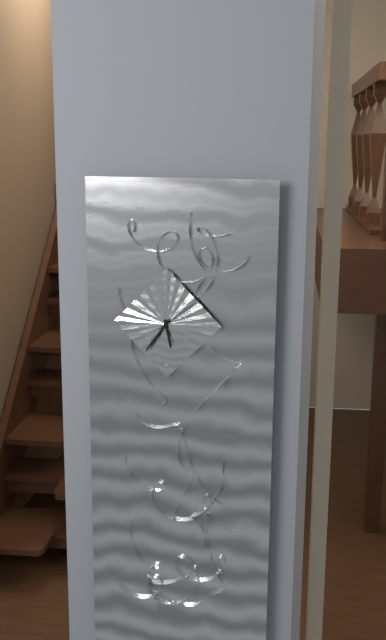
{"hour": 5, "minute": 36}
